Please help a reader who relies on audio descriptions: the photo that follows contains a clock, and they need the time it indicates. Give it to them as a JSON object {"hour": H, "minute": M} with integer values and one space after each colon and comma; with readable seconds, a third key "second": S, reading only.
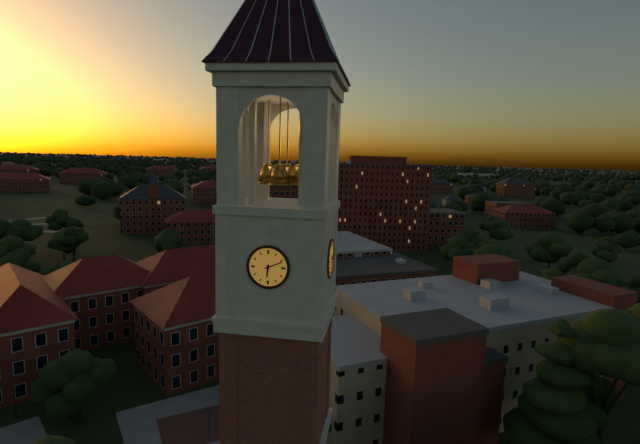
{"hour": 6, "minute": 11}
